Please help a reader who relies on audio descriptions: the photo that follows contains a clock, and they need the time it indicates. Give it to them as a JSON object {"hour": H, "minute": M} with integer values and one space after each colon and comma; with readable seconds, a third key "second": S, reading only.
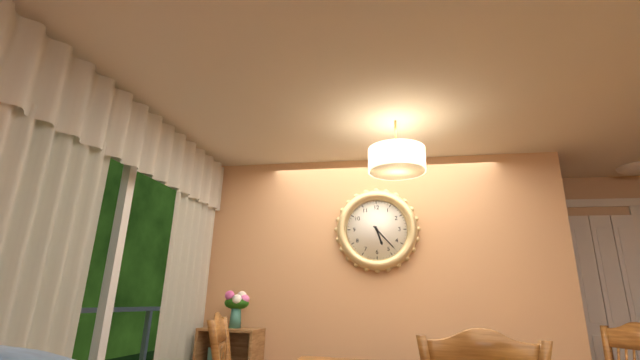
{"hour": 5, "minute": 23}
